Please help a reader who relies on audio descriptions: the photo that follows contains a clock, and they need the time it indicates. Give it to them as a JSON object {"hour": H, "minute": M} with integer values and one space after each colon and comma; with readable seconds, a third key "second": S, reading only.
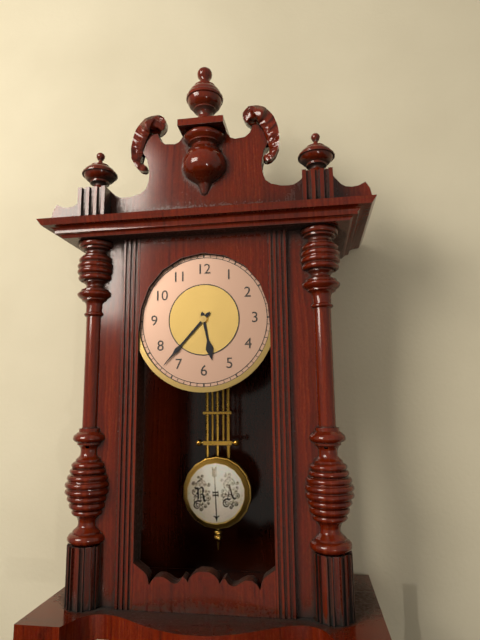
{"hour": 5, "minute": 37}
